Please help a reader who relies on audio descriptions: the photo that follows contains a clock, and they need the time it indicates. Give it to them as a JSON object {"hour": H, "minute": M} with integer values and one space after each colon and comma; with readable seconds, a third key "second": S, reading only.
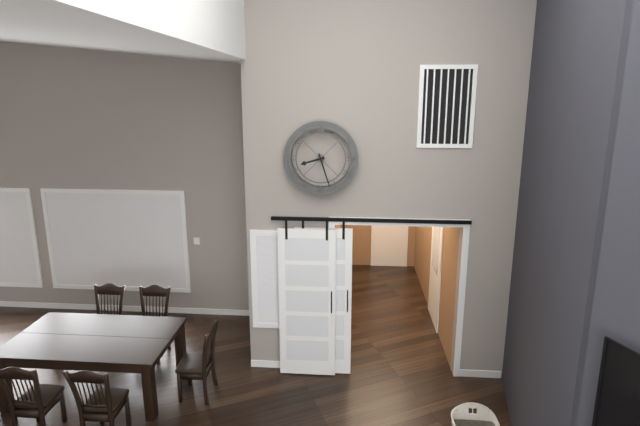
{"hour": 8, "minute": 27}
